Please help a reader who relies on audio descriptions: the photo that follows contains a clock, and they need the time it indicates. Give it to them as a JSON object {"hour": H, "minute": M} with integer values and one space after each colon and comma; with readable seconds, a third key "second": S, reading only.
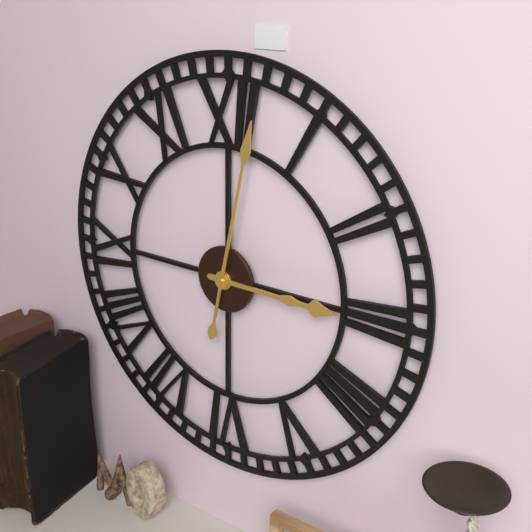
{"hour": 3, "minute": 2}
